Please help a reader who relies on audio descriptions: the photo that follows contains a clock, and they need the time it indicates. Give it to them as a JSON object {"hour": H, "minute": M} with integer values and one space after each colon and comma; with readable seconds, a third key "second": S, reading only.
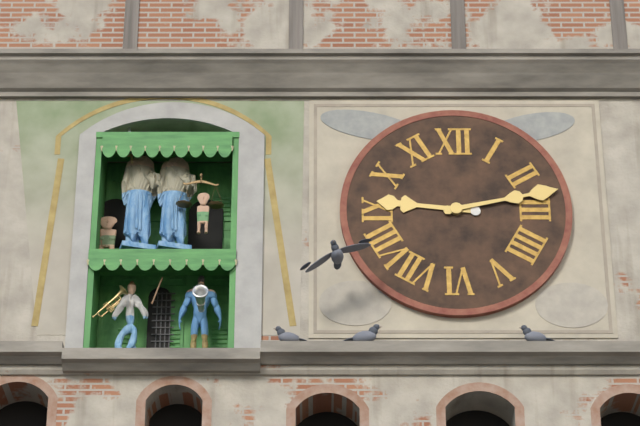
{"hour": 9, "minute": 13}
